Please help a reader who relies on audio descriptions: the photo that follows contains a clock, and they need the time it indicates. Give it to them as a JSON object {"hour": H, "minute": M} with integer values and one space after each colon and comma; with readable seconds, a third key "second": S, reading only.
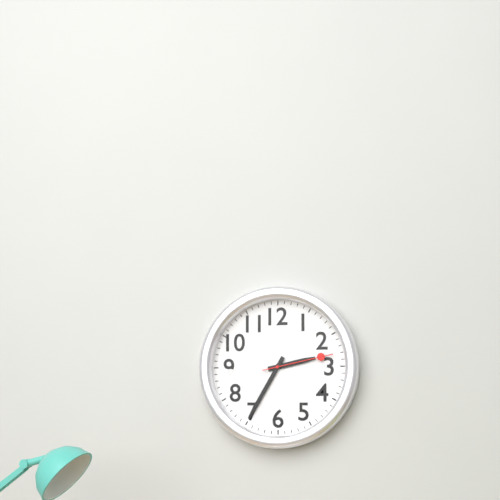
{"hour": 2, "minute": 35, "second": 13}
